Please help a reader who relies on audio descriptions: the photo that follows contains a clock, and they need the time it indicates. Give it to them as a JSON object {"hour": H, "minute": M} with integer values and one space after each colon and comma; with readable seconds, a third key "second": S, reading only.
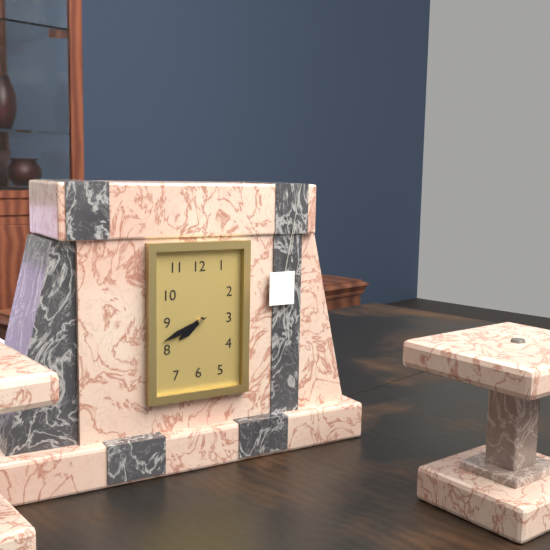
{"hour": 7, "minute": 41}
